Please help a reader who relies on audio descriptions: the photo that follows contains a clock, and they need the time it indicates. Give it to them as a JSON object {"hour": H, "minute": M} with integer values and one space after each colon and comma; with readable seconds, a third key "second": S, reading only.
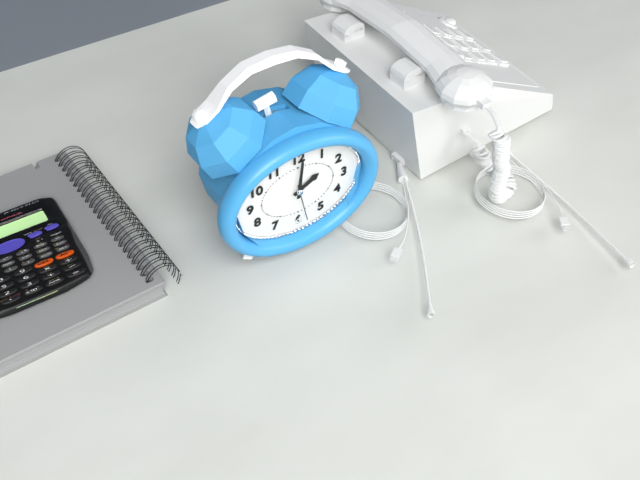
{"hour": 2, "minute": 1}
